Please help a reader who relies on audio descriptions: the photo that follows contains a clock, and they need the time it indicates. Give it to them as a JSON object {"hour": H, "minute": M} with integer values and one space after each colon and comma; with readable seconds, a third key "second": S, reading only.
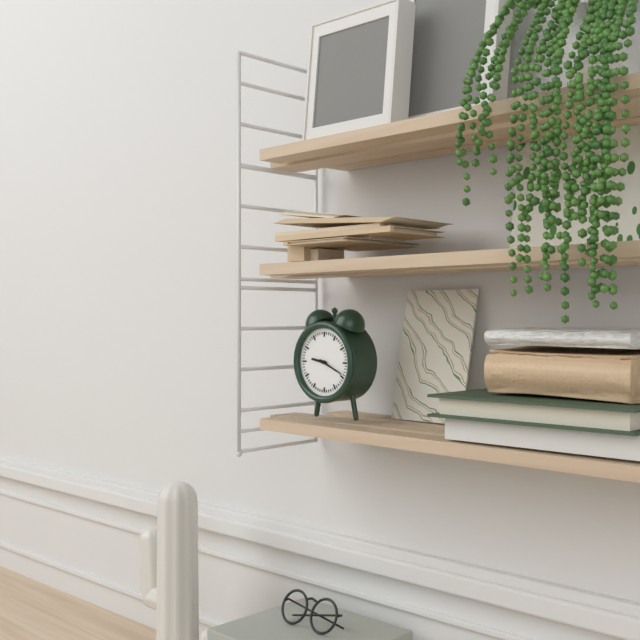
{"hour": 9, "minute": 19}
